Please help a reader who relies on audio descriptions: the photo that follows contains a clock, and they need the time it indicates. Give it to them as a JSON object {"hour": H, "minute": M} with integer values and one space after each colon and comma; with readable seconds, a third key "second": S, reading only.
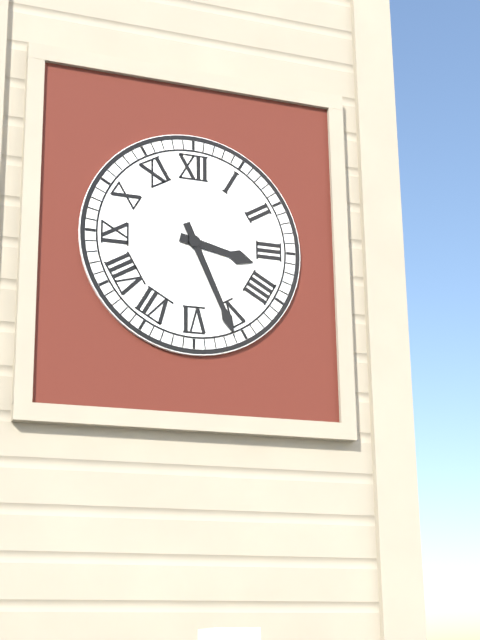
{"hour": 3, "minute": 26}
